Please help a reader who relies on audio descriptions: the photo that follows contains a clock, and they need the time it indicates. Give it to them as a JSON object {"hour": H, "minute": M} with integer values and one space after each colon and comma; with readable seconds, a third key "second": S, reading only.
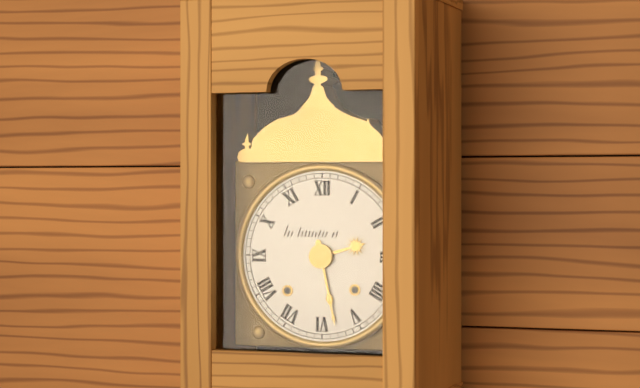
{"hour": 2, "minute": 28}
